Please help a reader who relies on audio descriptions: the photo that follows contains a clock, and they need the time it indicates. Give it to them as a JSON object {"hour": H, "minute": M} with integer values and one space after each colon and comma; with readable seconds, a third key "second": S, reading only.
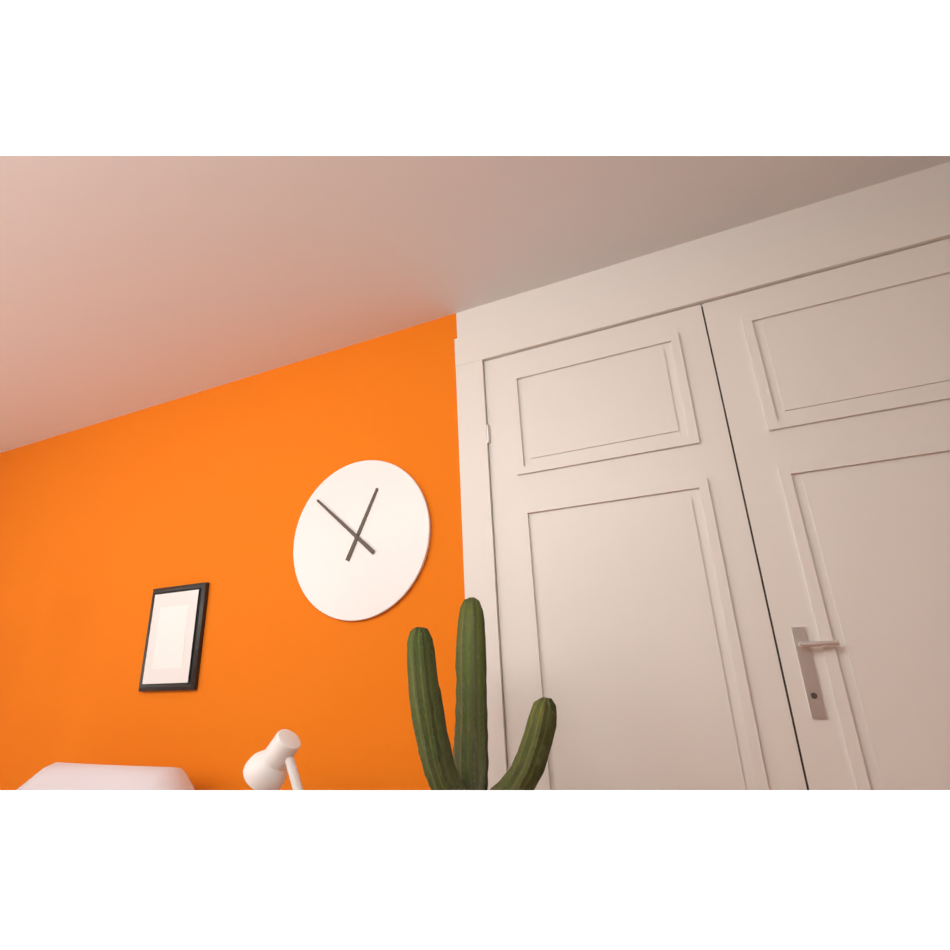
{"hour": 12, "minute": 52}
